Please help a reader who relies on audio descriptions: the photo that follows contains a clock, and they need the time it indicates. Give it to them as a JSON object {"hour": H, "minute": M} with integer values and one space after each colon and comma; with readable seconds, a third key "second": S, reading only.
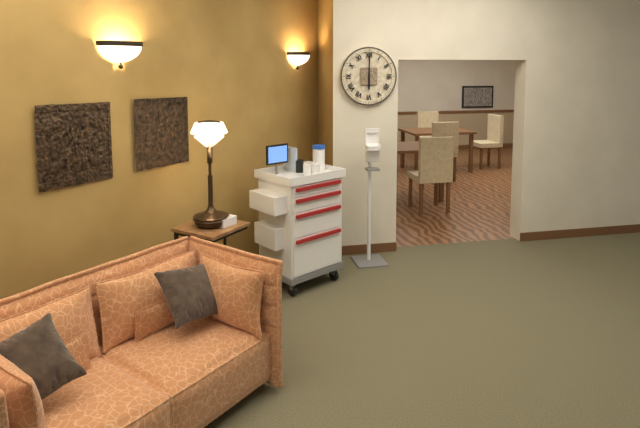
{"hour": 6, "minute": 0}
